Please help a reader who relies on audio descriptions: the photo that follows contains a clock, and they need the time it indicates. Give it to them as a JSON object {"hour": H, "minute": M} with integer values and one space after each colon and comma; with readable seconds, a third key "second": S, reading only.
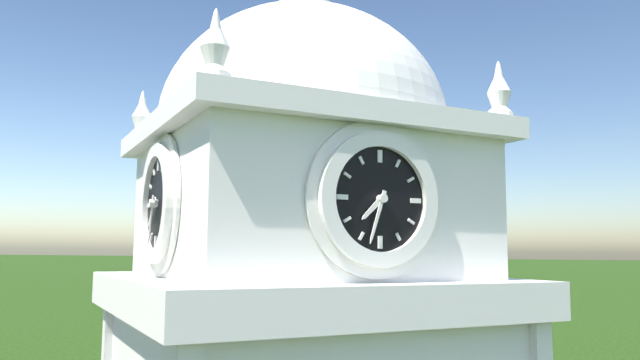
{"hour": 7, "minute": 33}
